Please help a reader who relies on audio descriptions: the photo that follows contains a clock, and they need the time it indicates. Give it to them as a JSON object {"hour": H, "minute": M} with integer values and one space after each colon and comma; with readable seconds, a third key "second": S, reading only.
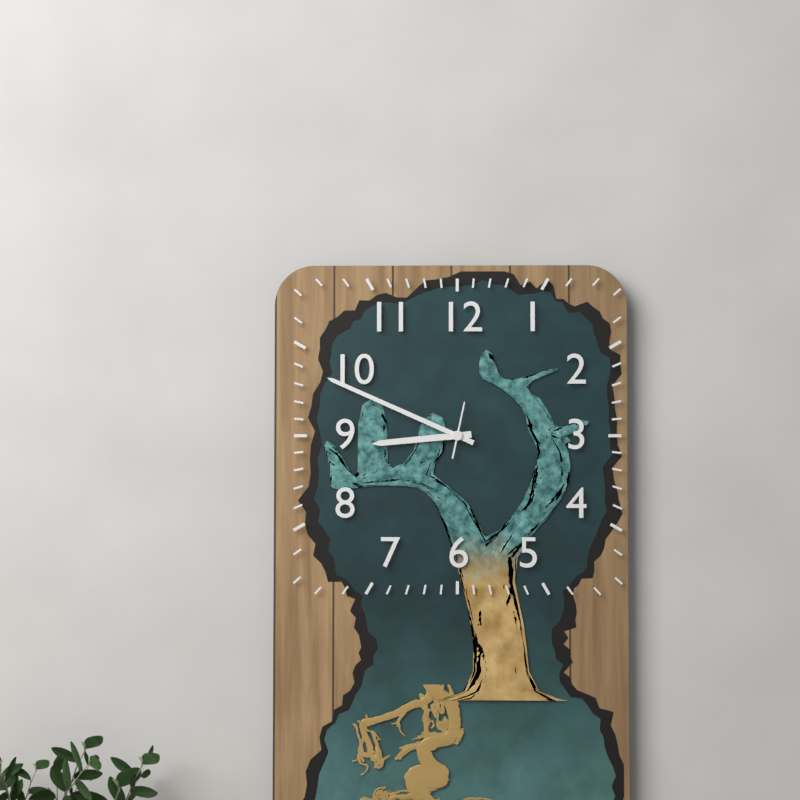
{"hour": 8, "minute": 49}
